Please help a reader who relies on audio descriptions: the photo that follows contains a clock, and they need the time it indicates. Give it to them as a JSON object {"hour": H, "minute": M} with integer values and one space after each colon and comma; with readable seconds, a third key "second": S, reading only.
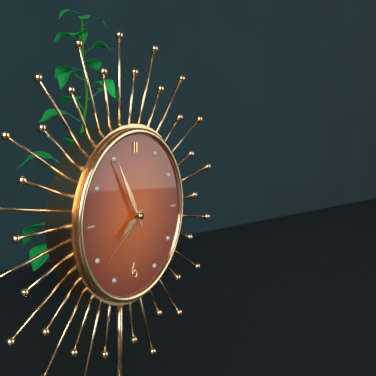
{"hour": 7, "minute": 55, "second": 39}
